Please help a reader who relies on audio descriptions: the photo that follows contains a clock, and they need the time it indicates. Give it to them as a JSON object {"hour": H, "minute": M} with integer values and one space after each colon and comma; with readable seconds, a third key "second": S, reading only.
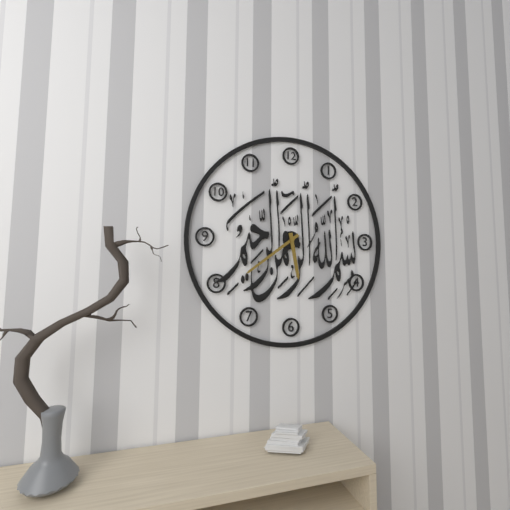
{"hour": 5, "minute": 39}
